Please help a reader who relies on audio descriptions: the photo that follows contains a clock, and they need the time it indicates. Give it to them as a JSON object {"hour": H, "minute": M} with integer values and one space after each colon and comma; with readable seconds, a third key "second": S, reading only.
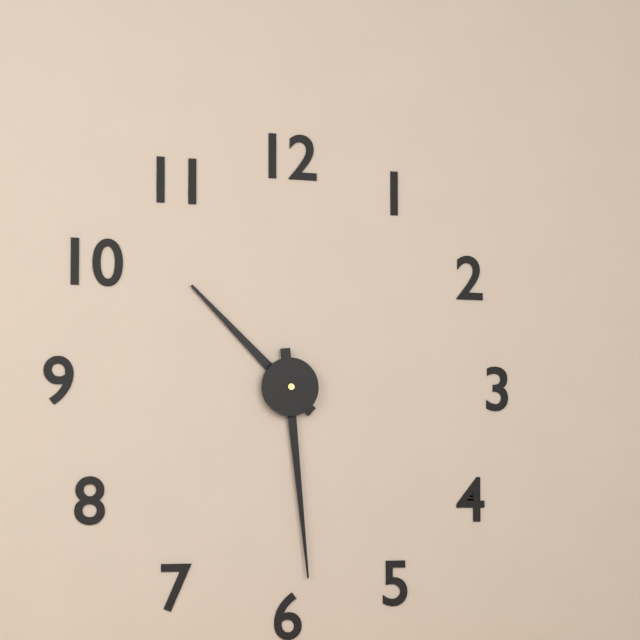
{"hour": 10, "minute": 29}
